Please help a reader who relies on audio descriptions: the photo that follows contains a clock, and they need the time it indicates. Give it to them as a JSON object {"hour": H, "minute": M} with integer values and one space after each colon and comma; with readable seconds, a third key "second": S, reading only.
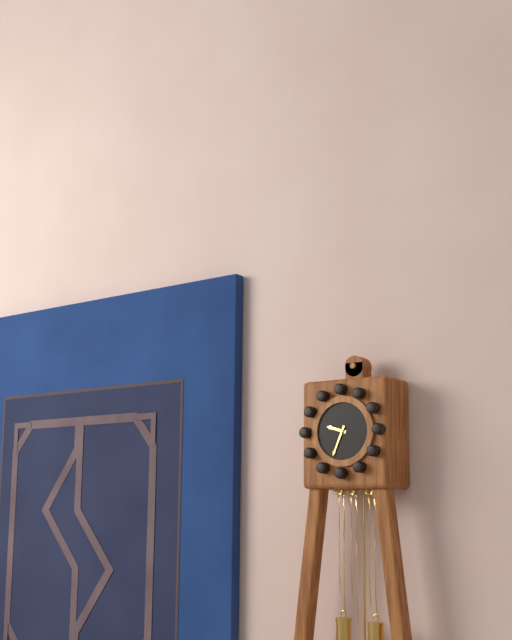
{"hour": 9, "minute": 34}
